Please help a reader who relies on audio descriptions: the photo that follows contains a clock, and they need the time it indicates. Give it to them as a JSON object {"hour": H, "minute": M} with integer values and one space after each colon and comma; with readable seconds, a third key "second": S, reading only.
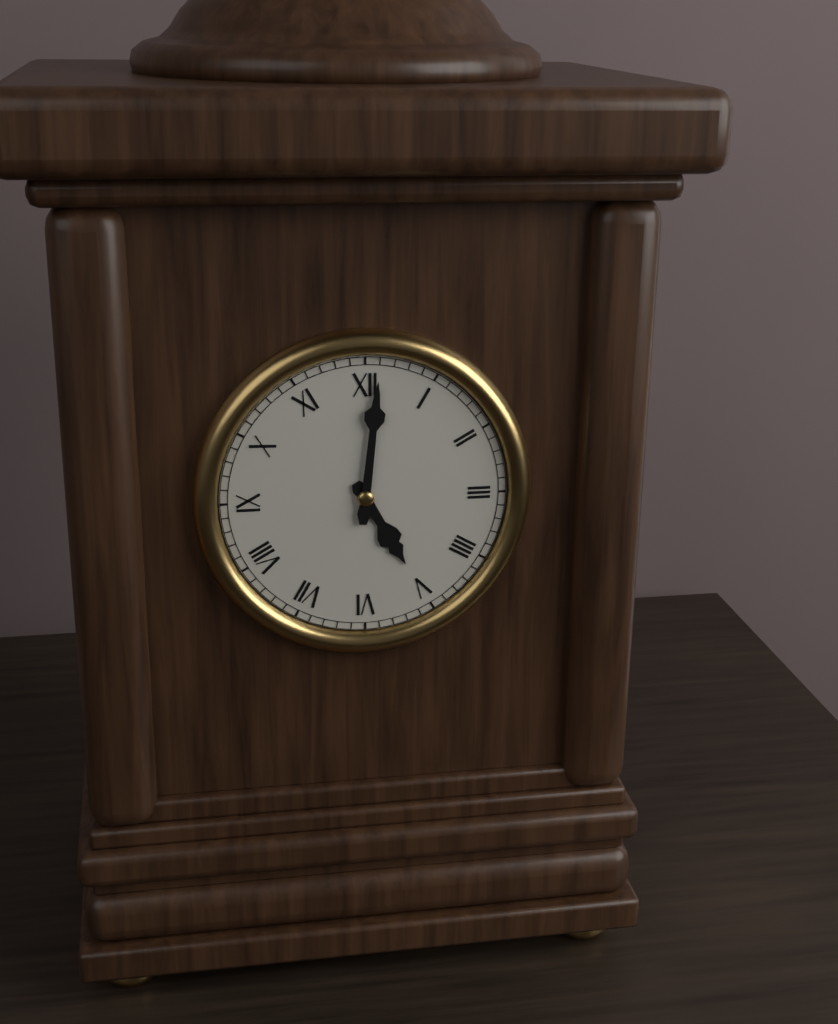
{"hour": 5, "minute": 1}
